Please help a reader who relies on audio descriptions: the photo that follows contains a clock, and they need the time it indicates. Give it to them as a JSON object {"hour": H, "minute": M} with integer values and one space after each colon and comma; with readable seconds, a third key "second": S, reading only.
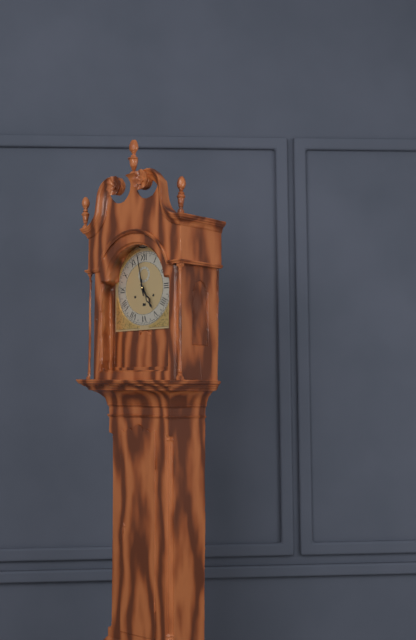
{"hour": 4, "minute": 58}
